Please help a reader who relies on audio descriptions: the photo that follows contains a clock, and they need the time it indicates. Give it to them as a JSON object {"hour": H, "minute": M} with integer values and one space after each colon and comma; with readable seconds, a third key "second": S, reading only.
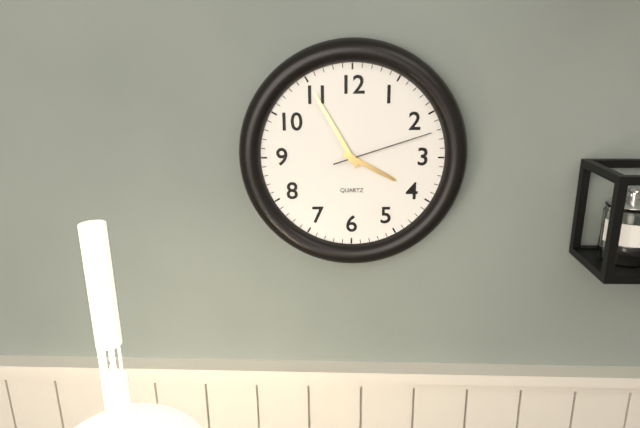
{"hour": 3, "minute": 55, "second": 12}
